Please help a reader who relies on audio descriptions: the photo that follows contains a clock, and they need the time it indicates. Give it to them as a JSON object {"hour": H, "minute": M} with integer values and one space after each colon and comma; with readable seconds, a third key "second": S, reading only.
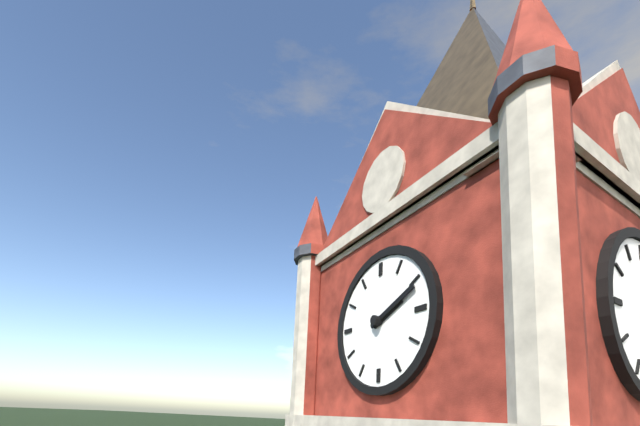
{"hour": 2, "minute": 11}
